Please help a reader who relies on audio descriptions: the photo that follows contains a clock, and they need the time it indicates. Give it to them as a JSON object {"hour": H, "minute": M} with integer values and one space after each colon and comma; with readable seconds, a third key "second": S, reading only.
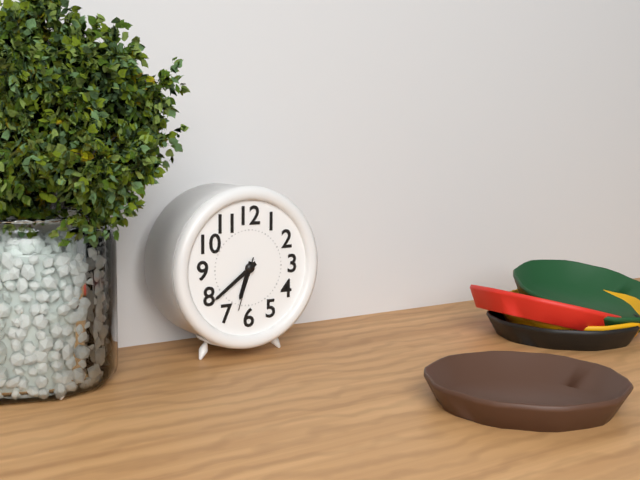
{"hour": 6, "minute": 39, "second": 33}
